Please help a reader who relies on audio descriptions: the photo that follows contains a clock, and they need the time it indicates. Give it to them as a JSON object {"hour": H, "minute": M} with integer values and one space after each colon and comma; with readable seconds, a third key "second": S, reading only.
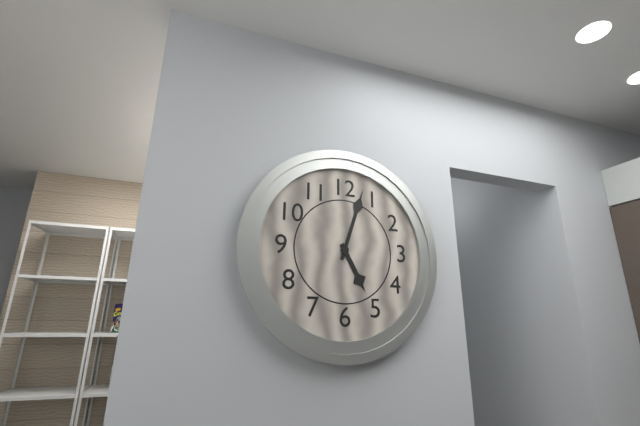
{"hour": 5, "minute": 3}
